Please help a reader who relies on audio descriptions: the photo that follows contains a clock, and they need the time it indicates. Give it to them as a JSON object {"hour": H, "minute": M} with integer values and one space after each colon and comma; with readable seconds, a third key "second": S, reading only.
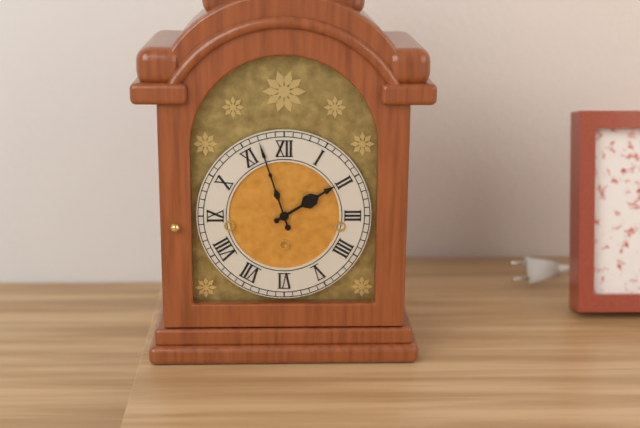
{"hour": 1, "minute": 57}
